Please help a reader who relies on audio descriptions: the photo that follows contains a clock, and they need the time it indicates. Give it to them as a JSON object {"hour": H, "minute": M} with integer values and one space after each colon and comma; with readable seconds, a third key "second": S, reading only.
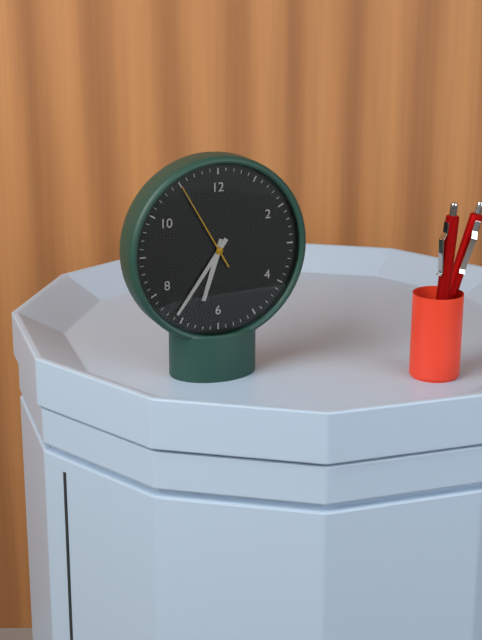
{"hour": 6, "minute": 36, "second": 55}
